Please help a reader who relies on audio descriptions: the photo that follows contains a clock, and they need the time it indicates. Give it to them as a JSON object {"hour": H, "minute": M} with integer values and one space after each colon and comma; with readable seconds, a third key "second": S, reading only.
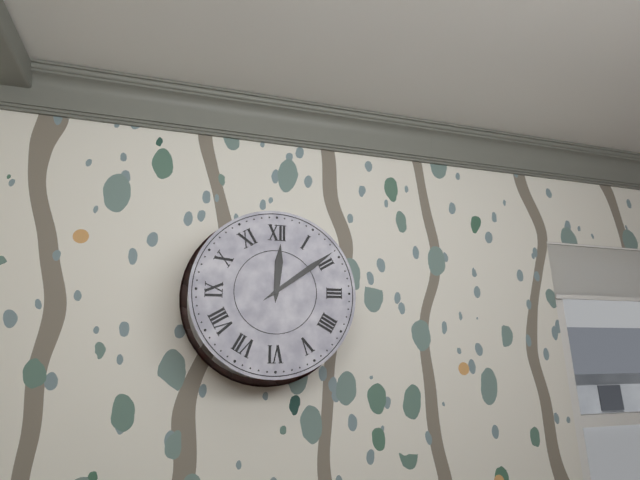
{"hour": 12, "minute": 9}
